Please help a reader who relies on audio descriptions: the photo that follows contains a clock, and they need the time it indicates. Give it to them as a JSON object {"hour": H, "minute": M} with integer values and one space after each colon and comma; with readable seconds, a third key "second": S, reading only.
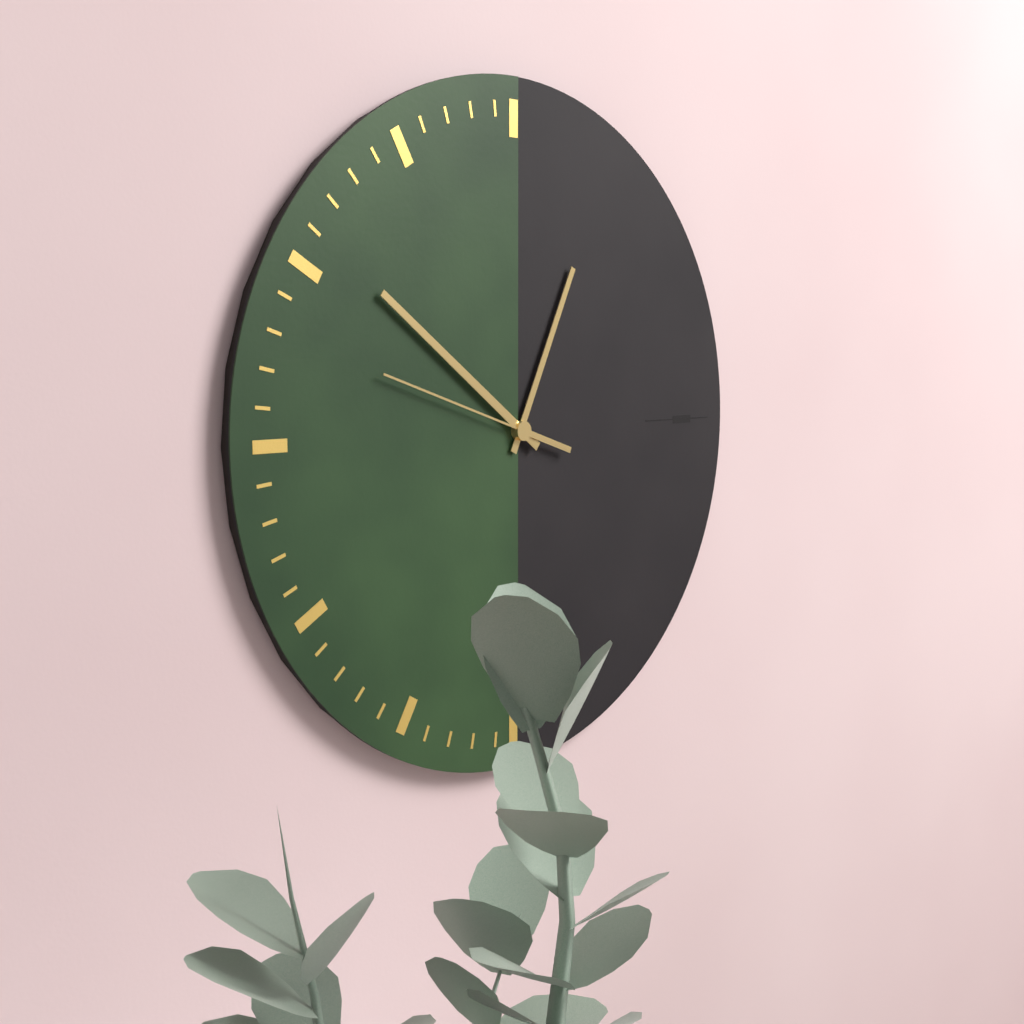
{"hour": 12, "minute": 51, "second": 48}
